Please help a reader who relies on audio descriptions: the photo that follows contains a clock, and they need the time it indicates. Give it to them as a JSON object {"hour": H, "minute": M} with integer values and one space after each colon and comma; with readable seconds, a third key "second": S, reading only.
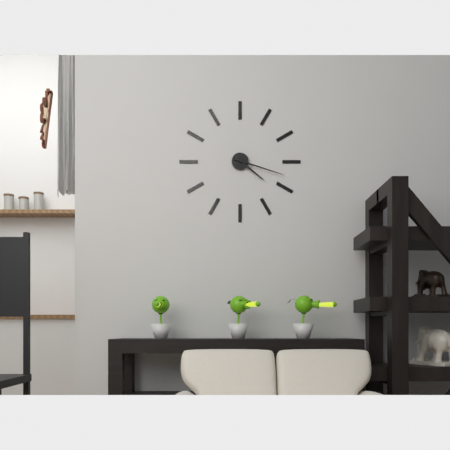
{"hour": 4, "minute": 18}
